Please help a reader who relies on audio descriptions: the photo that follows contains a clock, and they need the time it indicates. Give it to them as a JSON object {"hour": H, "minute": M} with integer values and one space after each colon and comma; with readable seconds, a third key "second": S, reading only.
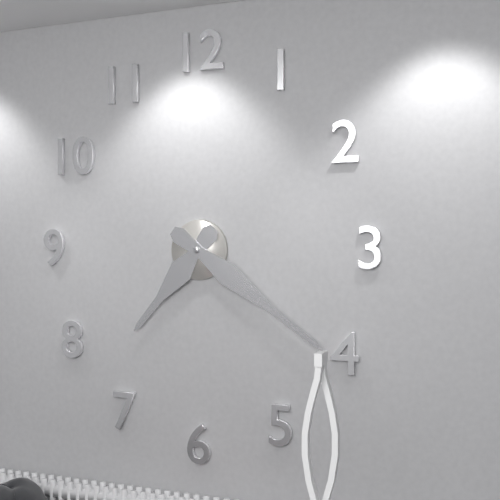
{"hour": 7, "minute": 21}
